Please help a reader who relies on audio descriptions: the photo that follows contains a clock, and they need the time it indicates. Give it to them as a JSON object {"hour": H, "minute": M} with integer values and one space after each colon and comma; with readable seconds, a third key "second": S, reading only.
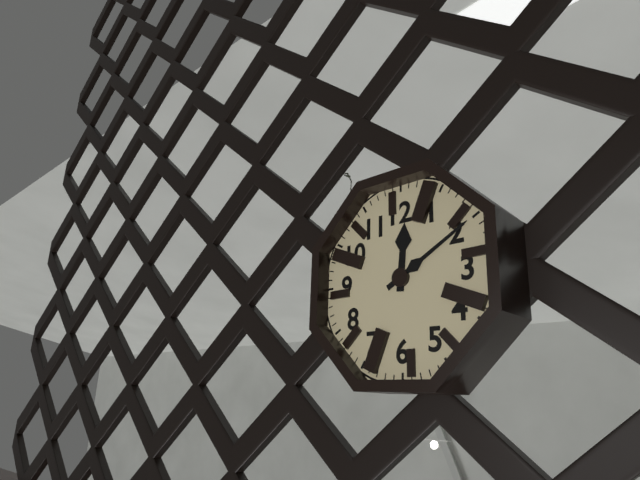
{"hour": 12, "minute": 10}
